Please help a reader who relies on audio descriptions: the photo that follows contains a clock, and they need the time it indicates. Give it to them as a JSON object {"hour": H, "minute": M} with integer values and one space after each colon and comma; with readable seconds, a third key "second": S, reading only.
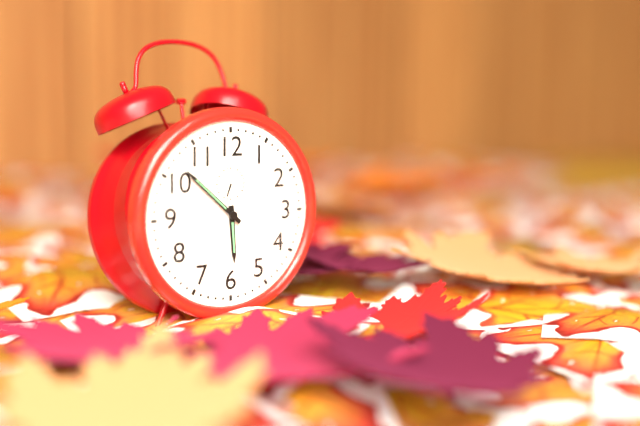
{"hour": 5, "minute": 52}
